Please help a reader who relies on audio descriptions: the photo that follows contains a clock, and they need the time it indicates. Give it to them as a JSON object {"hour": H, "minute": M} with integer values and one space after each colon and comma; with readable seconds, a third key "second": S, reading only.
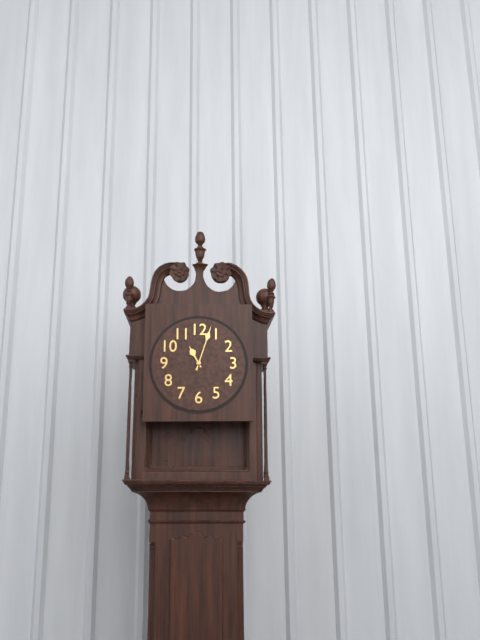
{"hour": 11, "minute": 3}
